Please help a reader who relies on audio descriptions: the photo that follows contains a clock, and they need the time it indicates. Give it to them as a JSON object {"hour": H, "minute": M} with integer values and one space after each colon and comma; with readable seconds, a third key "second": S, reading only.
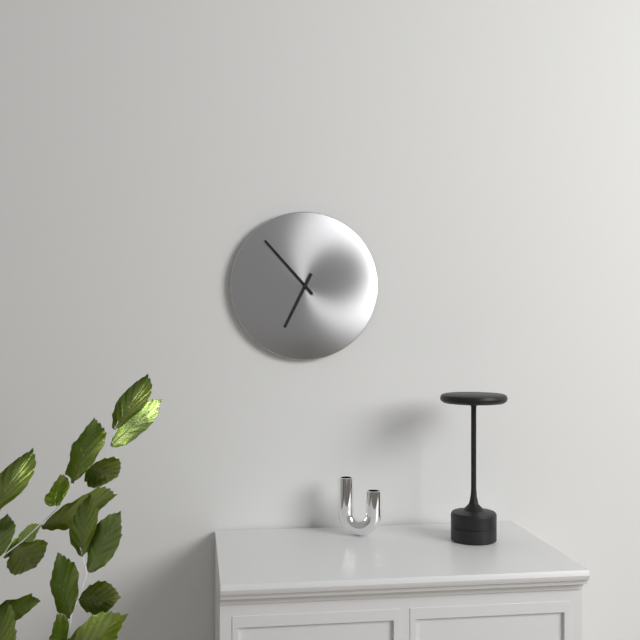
{"hour": 6, "minute": 53, "second": 53}
